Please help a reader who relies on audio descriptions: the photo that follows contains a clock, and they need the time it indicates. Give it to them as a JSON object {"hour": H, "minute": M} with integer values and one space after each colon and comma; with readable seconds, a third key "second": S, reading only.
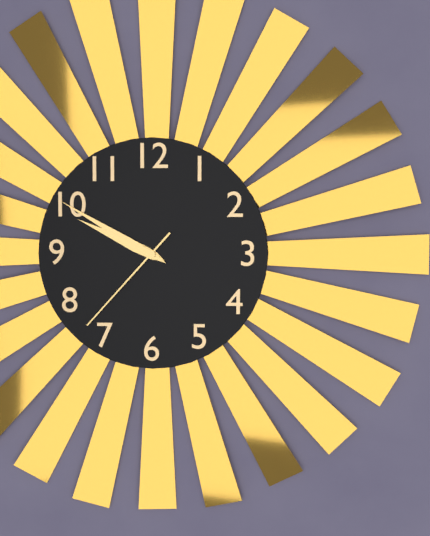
{"hour": 9, "minute": 50, "second": 37}
